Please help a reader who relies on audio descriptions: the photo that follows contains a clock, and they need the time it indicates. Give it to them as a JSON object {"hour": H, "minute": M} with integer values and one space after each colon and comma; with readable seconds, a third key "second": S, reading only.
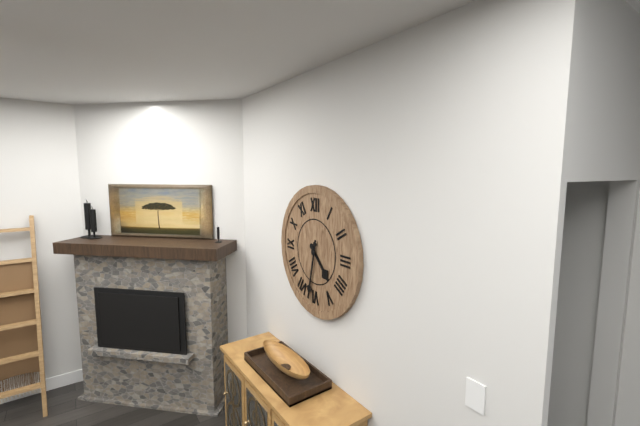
{"hour": 4, "minute": 32}
